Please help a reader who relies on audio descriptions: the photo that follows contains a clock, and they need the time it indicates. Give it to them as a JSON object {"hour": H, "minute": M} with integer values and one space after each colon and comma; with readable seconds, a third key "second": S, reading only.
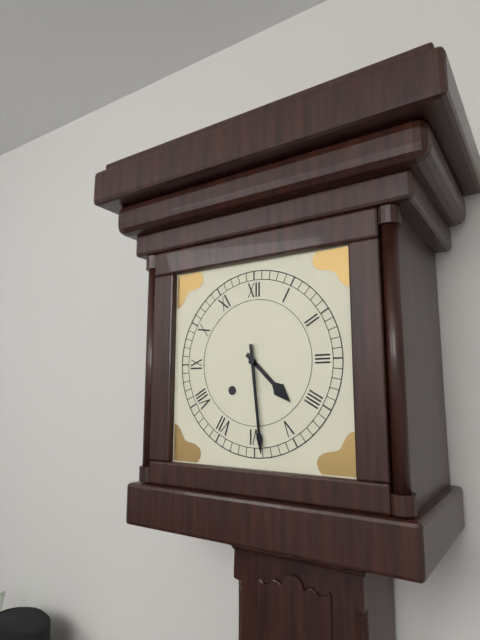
{"hour": 4, "minute": 29}
